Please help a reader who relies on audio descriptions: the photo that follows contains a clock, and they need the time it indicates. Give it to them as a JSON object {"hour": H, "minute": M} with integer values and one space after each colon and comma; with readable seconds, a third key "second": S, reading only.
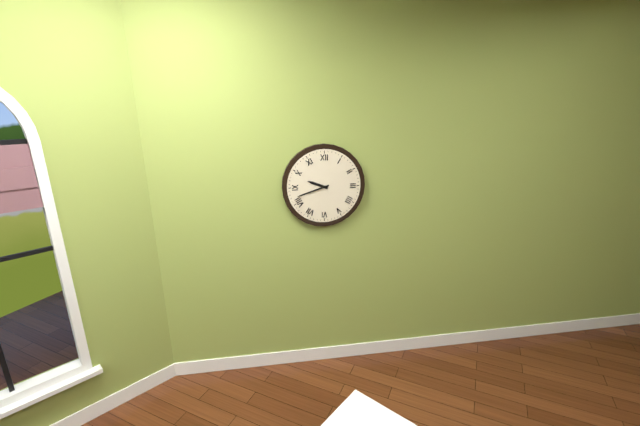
{"hour": 9, "minute": 42}
